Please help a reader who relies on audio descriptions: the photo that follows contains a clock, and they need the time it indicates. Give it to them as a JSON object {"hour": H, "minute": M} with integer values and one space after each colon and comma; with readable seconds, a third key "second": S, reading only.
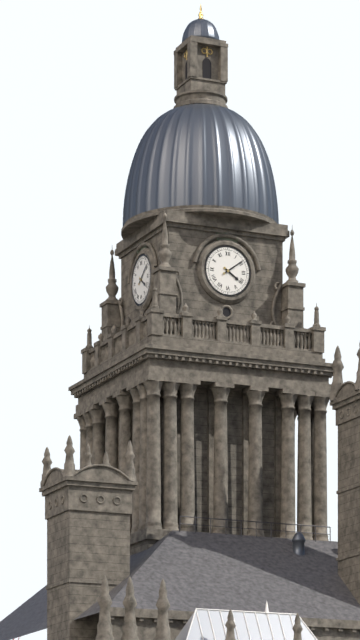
{"hour": 4, "minute": 9}
